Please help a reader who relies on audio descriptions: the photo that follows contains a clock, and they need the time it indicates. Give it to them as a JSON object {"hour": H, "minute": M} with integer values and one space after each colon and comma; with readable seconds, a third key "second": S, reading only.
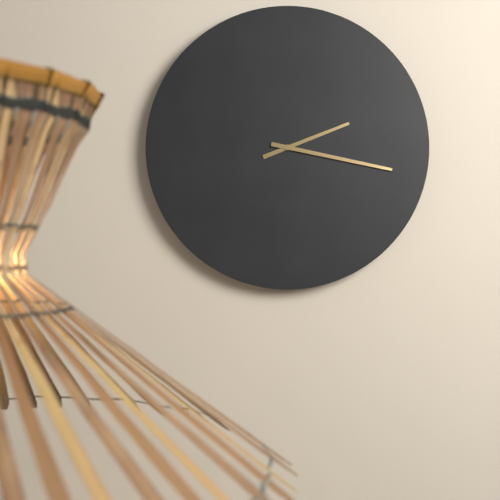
{"hour": 2, "minute": 17}
